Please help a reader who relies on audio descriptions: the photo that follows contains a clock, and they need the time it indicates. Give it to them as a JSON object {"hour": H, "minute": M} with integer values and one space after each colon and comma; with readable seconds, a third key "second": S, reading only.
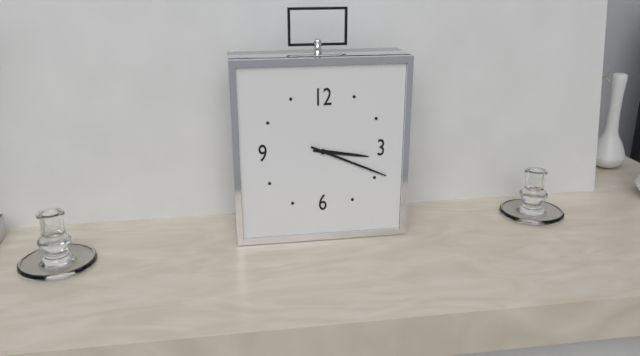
{"hour": 3, "minute": 19}
